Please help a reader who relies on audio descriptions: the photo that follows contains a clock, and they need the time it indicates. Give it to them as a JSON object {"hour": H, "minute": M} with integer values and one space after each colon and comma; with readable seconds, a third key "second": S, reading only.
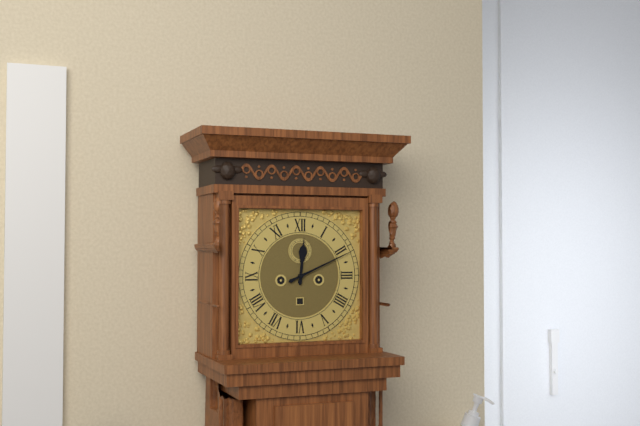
{"hour": 12, "minute": 11}
